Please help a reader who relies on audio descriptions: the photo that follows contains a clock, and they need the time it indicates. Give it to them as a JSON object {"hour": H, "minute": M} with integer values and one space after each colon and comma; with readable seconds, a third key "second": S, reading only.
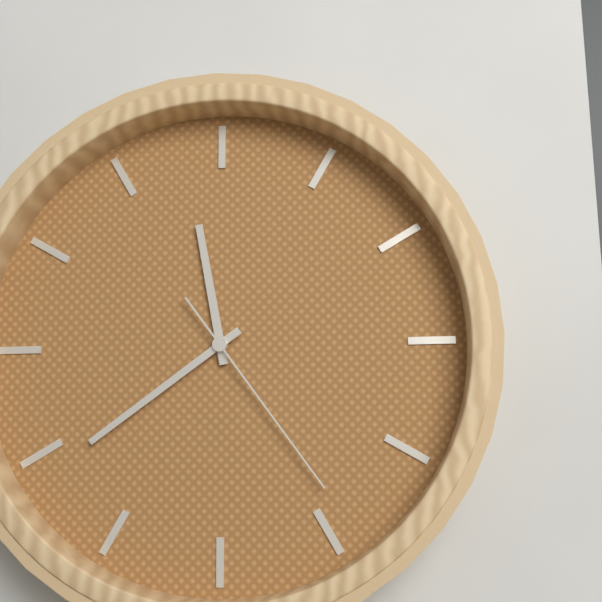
{"hour": 11, "minute": 39, "second": 24}
